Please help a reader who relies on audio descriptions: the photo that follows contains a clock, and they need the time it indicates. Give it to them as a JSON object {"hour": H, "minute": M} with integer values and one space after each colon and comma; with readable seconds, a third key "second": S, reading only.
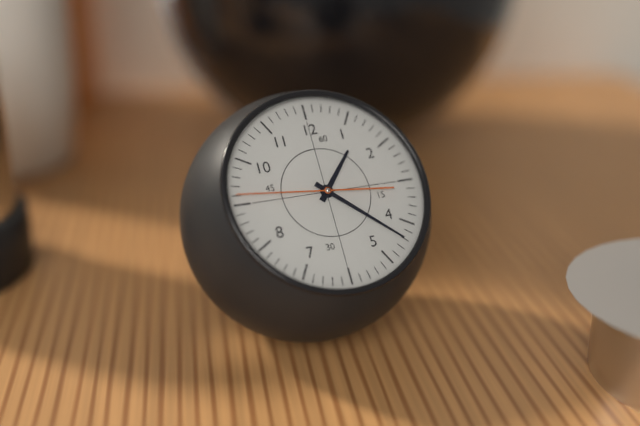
{"hour": 1, "minute": 22, "second": 46}
